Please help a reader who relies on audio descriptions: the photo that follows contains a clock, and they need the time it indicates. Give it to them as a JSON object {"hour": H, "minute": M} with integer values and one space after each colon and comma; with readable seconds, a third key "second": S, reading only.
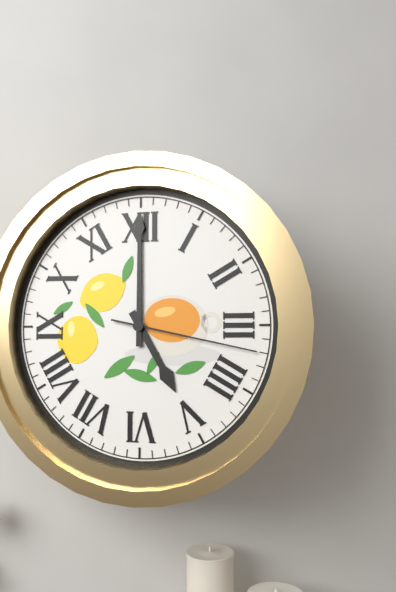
{"hour": 5, "minute": 0, "second": 17}
